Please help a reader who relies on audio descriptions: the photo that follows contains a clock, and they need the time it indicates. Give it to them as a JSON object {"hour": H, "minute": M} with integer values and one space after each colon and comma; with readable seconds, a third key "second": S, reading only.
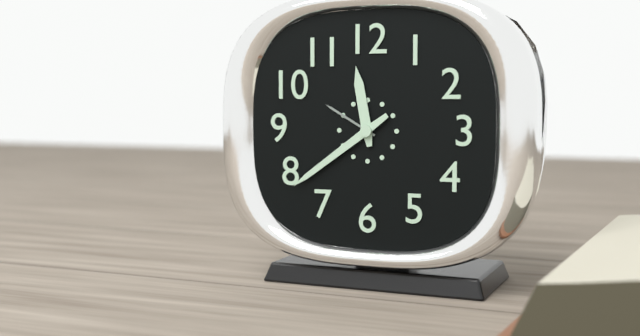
{"hour": 11, "minute": 39}
